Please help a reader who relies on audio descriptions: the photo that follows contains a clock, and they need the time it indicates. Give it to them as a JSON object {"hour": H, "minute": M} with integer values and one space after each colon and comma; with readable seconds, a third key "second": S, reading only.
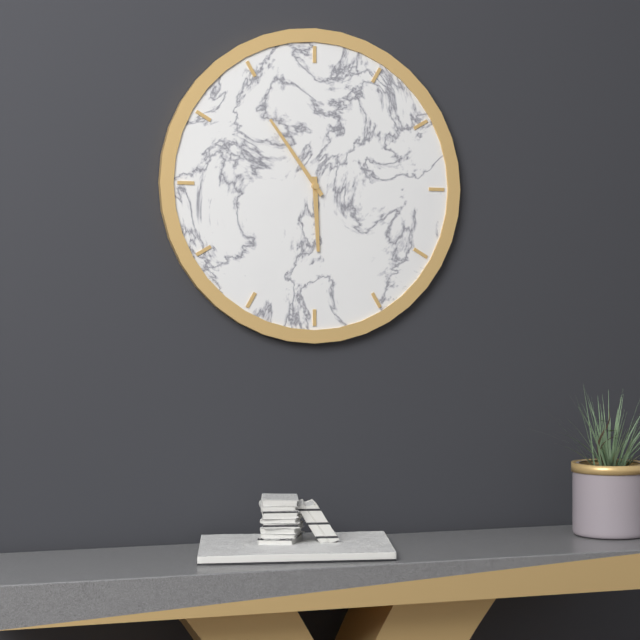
{"hour": 5, "minute": 54}
